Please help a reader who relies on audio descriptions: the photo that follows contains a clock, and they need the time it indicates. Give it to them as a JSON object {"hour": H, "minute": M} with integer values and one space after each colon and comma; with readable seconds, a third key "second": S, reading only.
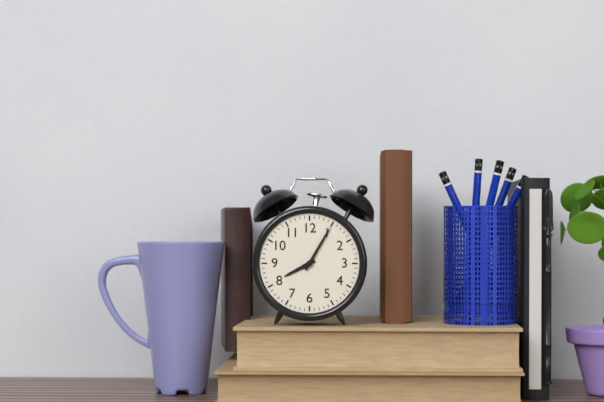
{"hour": 8, "minute": 5}
